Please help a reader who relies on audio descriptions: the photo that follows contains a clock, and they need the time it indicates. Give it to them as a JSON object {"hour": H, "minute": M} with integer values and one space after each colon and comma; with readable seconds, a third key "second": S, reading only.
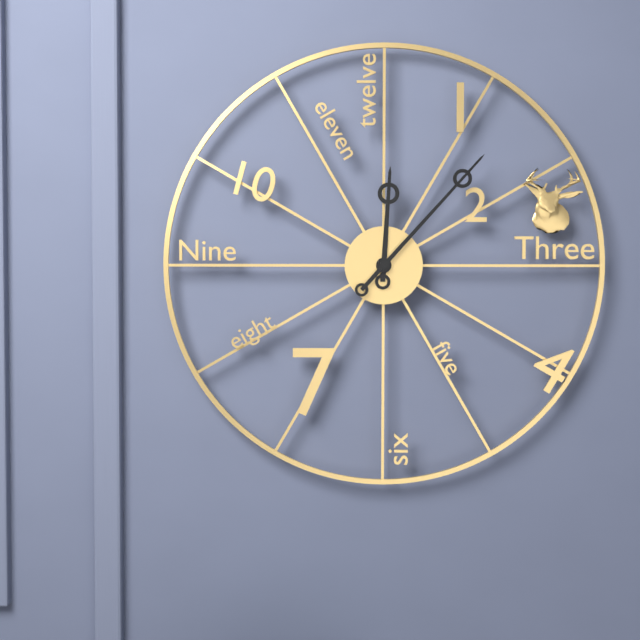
{"hour": 12, "minute": 7}
